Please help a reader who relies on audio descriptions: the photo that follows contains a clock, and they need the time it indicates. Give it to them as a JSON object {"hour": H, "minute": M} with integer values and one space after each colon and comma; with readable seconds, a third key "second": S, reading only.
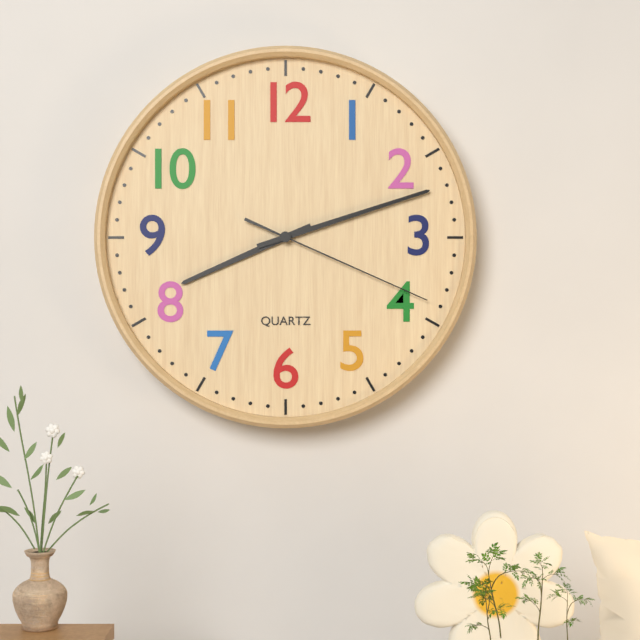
{"hour": 8, "minute": 12, "second": 19}
